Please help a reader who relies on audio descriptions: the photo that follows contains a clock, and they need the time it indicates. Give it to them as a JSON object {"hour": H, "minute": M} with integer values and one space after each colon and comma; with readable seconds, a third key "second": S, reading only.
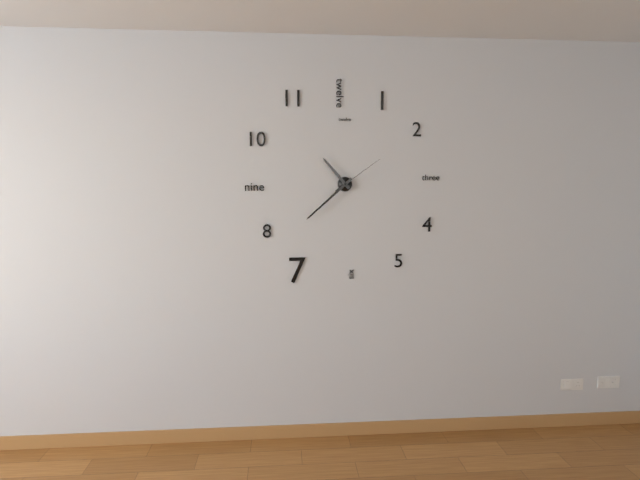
{"hour": 10, "minute": 38, "second": 9}
